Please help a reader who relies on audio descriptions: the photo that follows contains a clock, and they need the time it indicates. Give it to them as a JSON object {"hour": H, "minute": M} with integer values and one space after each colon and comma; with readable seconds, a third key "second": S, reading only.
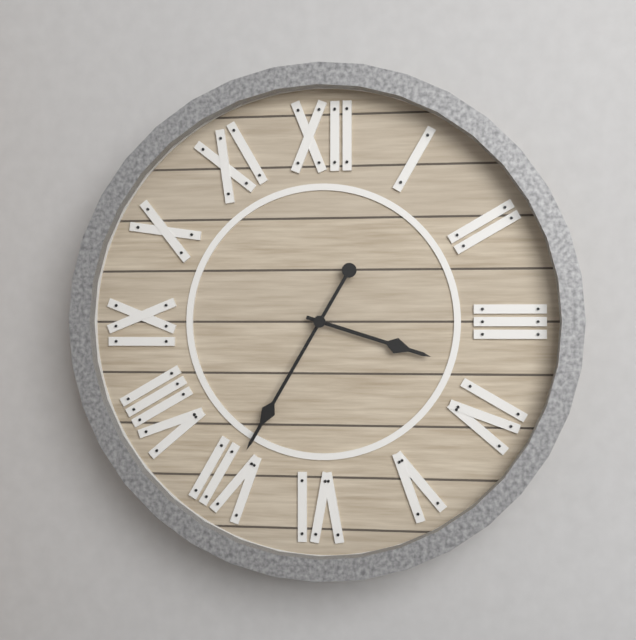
{"hour": 3, "minute": 35}
